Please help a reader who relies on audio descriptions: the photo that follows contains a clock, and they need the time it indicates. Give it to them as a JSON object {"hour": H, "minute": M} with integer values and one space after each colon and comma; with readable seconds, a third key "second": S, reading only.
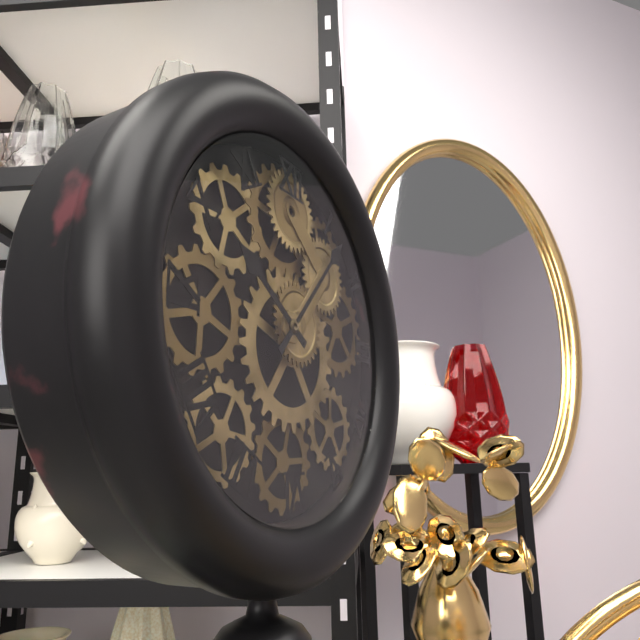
{"hour": 10, "minute": 7}
